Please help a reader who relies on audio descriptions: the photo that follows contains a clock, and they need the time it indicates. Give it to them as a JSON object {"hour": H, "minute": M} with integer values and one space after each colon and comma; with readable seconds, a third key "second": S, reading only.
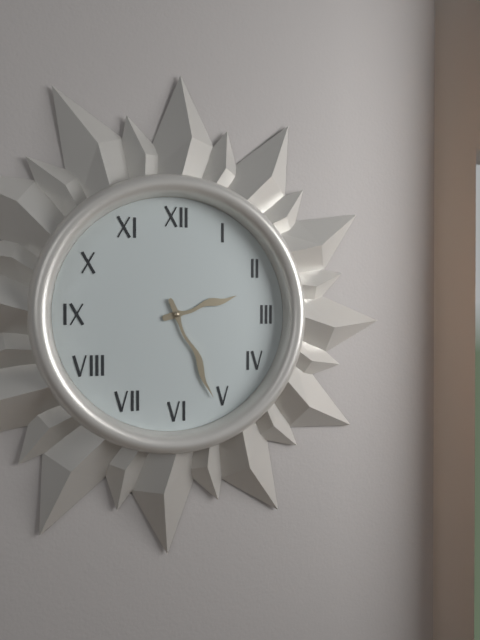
{"hour": 2, "minute": 26}
